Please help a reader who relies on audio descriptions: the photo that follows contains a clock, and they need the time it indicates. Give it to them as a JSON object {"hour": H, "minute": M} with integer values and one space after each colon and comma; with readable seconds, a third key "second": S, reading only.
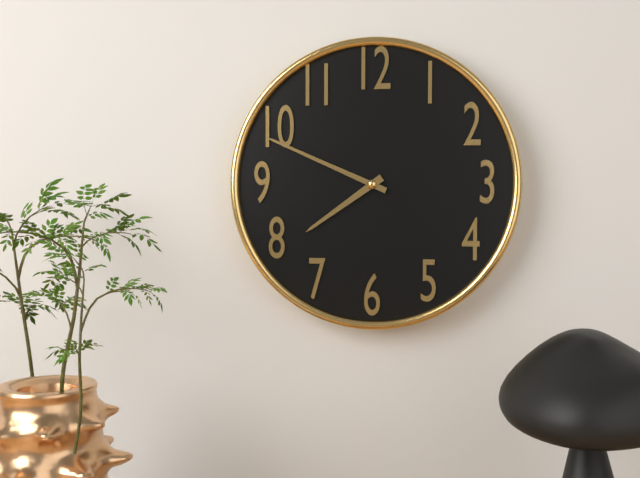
{"hour": 7, "minute": 49}
